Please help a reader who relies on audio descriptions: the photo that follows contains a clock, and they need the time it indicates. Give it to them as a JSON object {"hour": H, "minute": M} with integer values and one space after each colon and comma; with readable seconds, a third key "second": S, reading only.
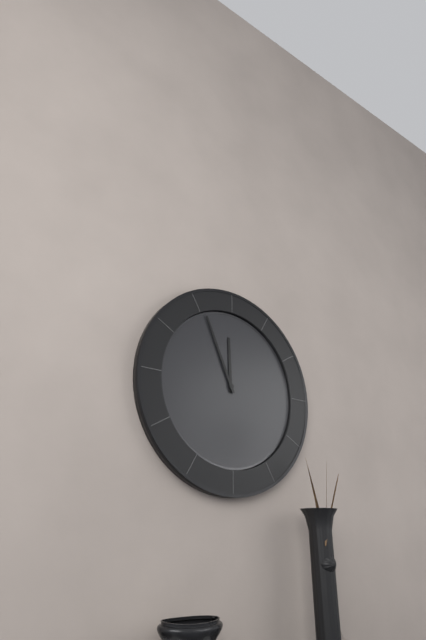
{"hour": 11, "minute": 56}
